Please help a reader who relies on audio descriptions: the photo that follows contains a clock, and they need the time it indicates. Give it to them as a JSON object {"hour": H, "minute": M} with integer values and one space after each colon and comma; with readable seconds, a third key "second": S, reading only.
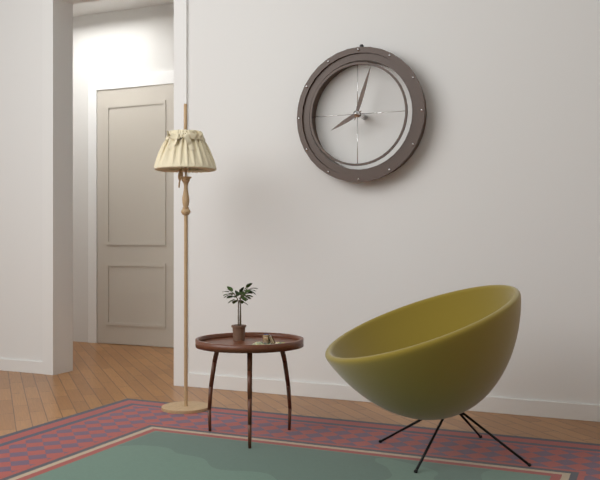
{"hour": 8, "minute": 3}
